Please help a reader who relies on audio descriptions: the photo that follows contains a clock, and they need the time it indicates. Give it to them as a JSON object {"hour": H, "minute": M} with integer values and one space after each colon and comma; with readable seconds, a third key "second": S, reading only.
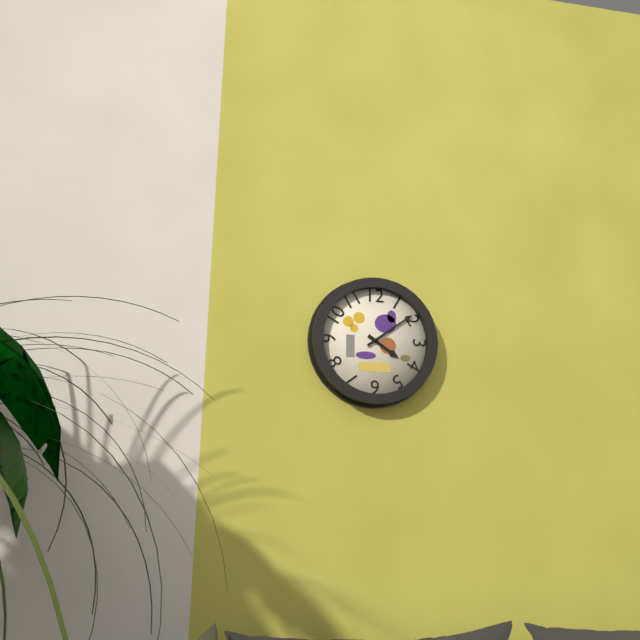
{"hour": 4, "minute": 9}
